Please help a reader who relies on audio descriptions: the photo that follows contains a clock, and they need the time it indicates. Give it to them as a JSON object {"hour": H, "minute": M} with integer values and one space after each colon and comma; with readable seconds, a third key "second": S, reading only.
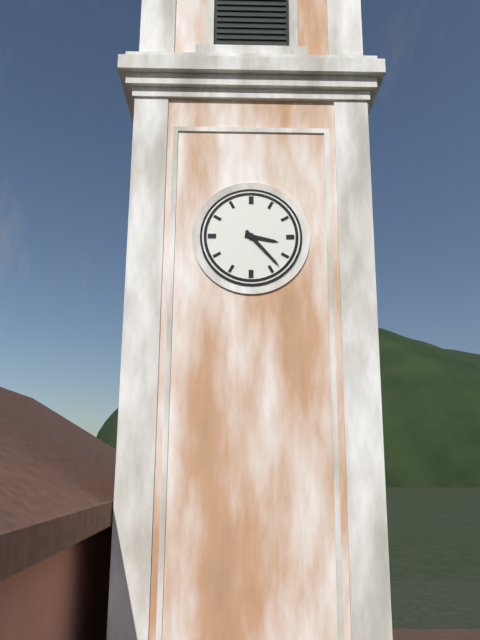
{"hour": 3, "minute": 23}
